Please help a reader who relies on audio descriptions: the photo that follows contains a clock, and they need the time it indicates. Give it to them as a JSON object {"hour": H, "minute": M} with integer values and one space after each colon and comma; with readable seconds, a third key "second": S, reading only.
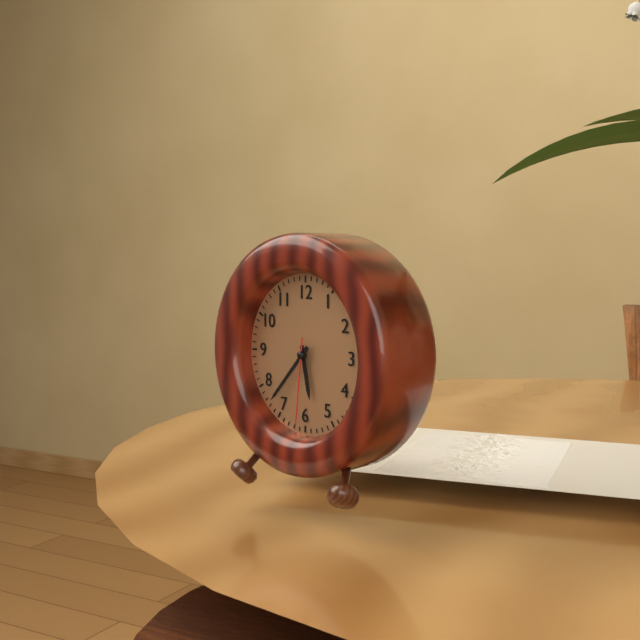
{"hour": 5, "minute": 37, "second": 31}
